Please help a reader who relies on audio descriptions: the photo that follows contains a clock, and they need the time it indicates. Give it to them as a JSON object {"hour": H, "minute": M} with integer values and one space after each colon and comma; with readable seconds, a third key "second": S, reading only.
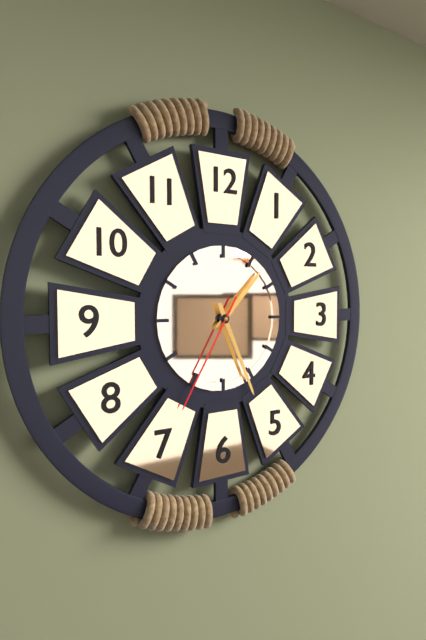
{"hour": 1, "minute": 26, "second": 35}
